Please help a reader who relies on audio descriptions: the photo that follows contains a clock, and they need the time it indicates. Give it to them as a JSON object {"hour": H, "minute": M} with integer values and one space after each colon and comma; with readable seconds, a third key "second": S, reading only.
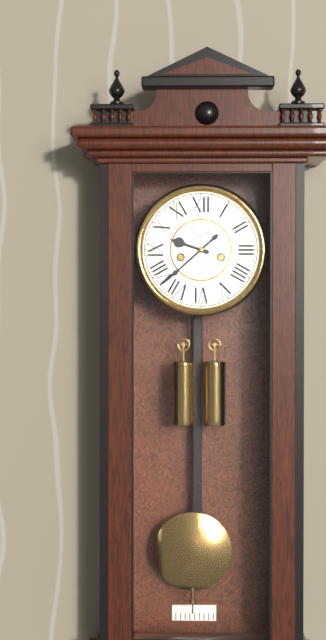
{"hour": 9, "minute": 38}
